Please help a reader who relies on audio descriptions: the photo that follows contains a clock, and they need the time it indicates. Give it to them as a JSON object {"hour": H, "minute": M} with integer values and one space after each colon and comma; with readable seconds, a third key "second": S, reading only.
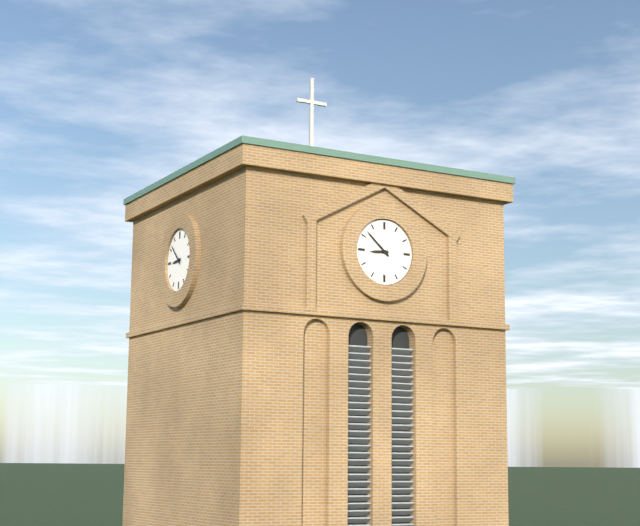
{"hour": 8, "minute": 52}
